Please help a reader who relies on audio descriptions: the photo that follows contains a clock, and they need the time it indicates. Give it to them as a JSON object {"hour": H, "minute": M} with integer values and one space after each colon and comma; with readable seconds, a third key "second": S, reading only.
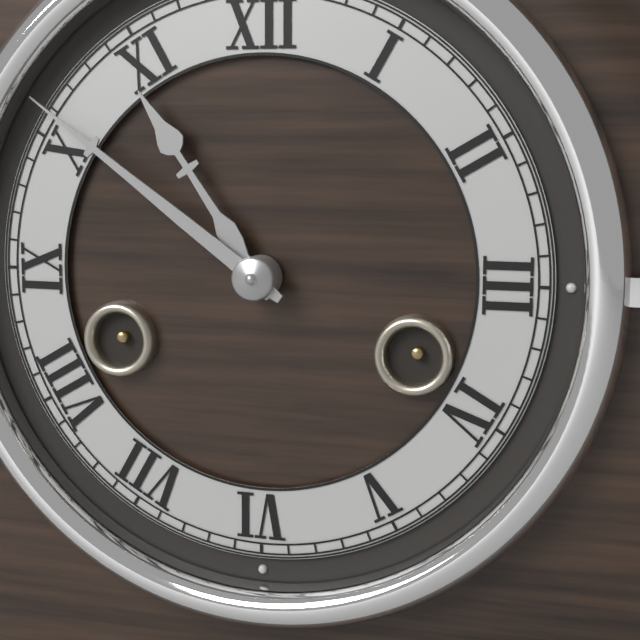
{"hour": 10, "minute": 51}
